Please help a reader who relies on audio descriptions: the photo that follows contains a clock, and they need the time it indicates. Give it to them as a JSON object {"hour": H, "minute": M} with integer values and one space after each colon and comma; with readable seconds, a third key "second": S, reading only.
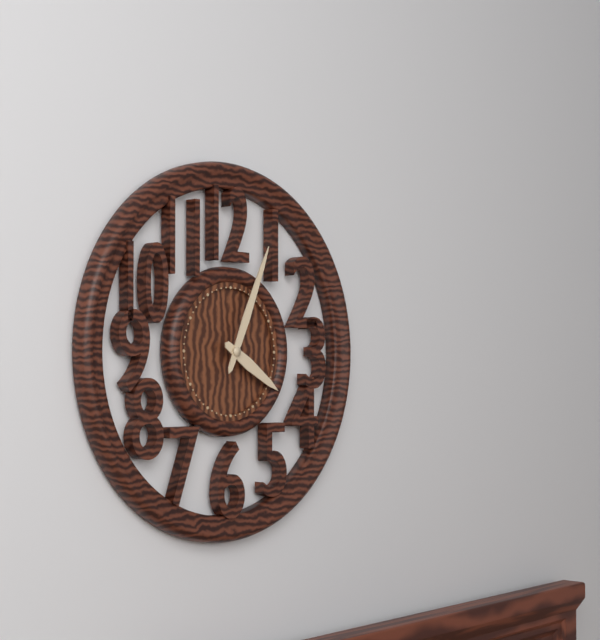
{"hour": 4, "minute": 4}
